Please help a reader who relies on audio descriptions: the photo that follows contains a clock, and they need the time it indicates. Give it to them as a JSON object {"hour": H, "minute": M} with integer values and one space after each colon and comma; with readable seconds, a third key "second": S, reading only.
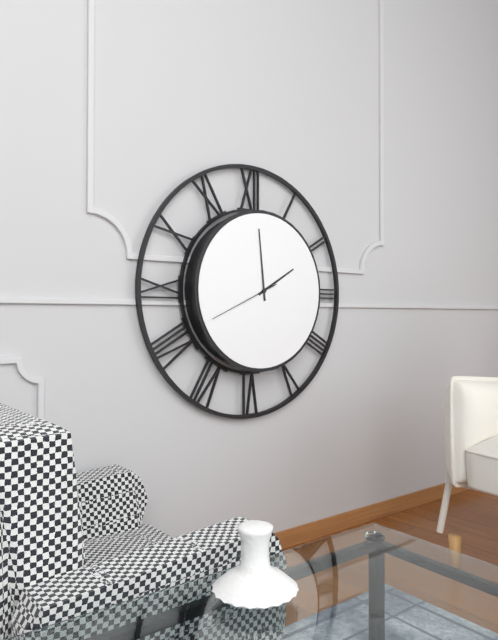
{"hour": 1, "minute": 59, "second": 41}
